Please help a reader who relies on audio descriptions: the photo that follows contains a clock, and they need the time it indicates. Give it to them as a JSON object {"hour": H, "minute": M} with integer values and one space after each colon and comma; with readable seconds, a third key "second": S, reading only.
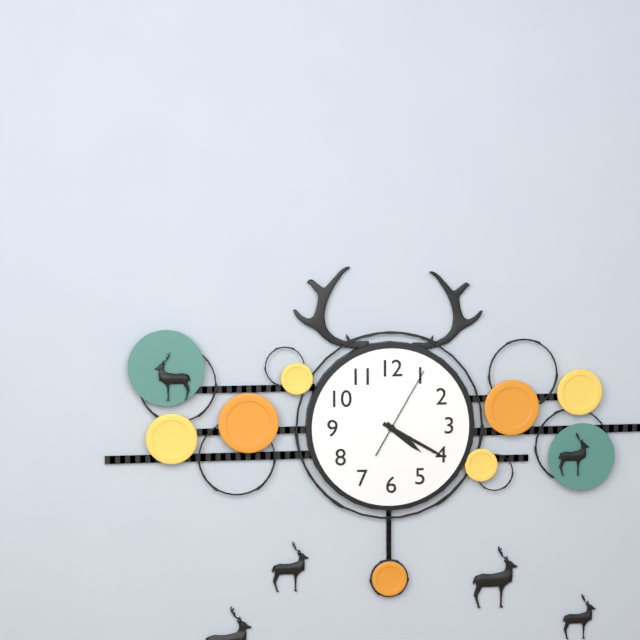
{"hour": 4, "minute": 20, "second": 5}
